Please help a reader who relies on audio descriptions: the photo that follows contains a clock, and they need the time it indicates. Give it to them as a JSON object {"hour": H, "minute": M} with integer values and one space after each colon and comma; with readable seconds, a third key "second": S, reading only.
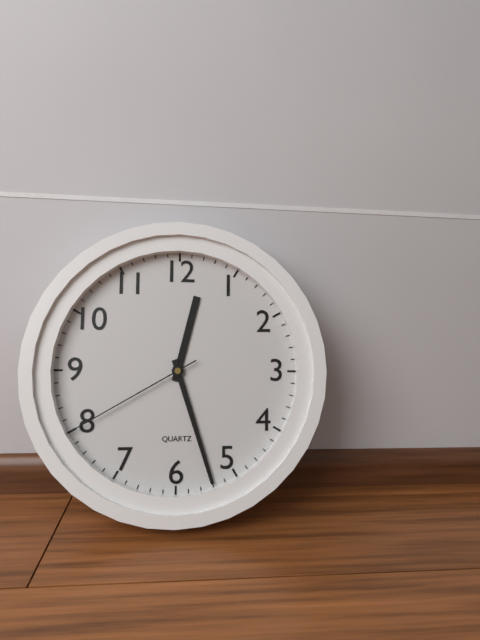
{"hour": 12, "minute": 27, "second": 40}
